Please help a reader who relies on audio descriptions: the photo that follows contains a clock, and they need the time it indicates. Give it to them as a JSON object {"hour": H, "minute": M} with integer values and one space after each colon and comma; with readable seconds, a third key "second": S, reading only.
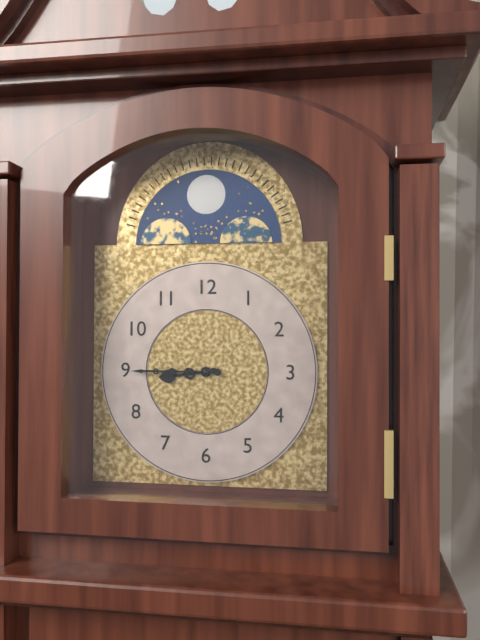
{"hour": 8, "minute": 45}
